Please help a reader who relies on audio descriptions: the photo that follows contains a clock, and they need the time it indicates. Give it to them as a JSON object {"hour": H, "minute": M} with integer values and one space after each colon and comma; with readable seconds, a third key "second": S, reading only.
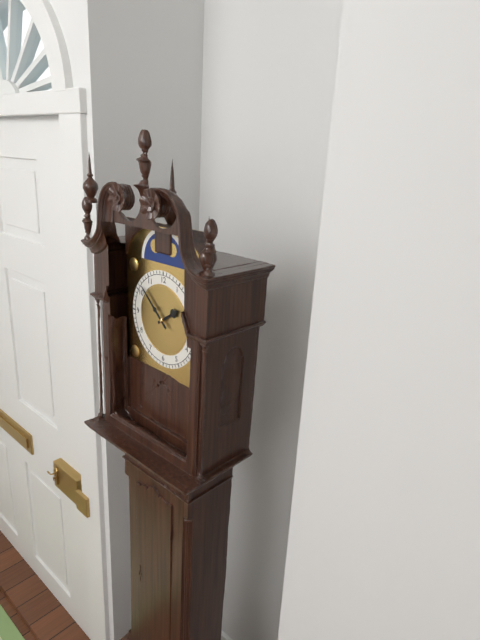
{"hour": 1, "minute": 52}
